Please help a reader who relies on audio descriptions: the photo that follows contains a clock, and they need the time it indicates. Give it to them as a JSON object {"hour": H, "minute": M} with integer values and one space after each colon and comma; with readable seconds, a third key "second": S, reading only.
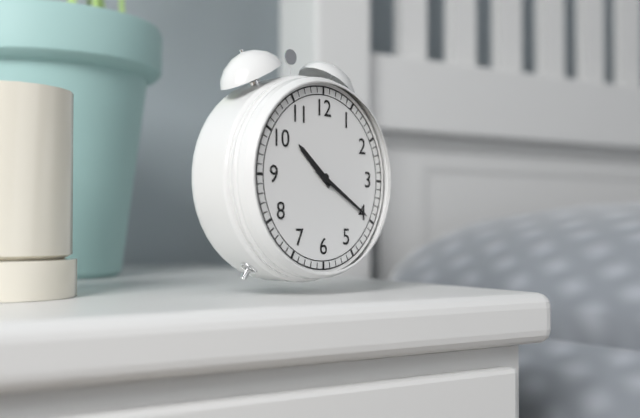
{"hour": 10, "minute": 20}
